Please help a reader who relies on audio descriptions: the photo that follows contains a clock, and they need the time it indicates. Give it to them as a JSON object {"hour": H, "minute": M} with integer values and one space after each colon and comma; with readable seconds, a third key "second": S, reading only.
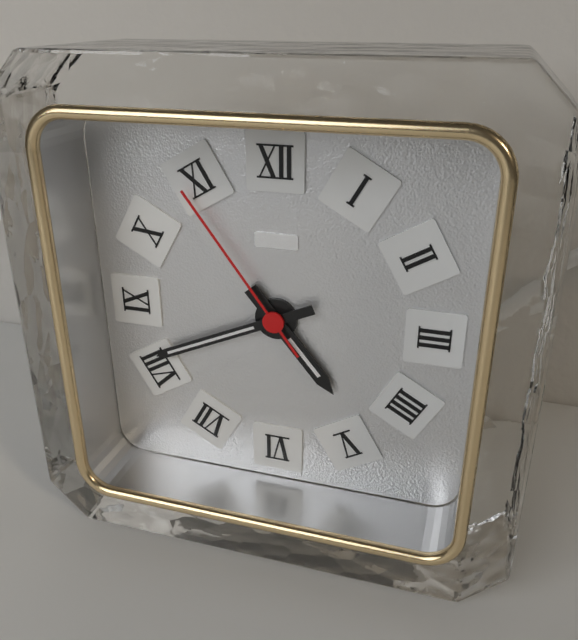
{"hour": 4, "minute": 41, "second": 54}
